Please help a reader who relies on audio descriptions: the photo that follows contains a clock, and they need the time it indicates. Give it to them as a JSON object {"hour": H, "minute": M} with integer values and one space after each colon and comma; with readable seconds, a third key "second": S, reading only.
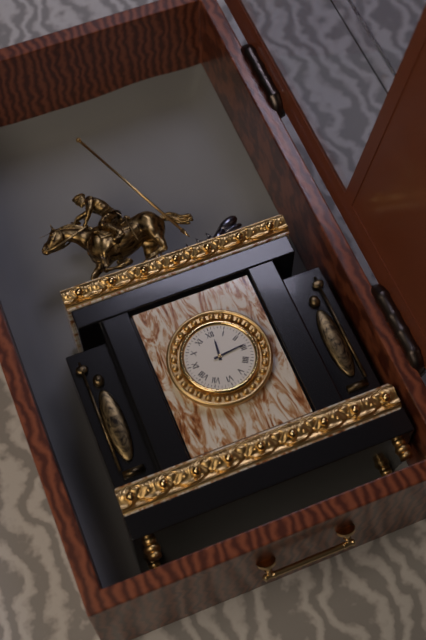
{"hour": 12, "minute": 14}
